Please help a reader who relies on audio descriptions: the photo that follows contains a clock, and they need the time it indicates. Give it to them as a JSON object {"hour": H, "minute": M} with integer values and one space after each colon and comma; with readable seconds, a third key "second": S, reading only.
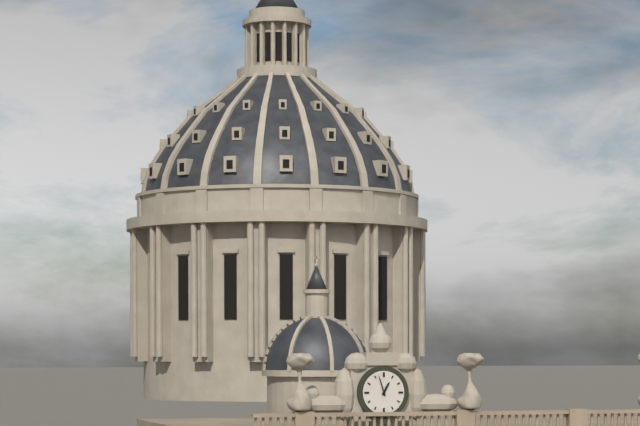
{"hour": 12, "minute": 57}
